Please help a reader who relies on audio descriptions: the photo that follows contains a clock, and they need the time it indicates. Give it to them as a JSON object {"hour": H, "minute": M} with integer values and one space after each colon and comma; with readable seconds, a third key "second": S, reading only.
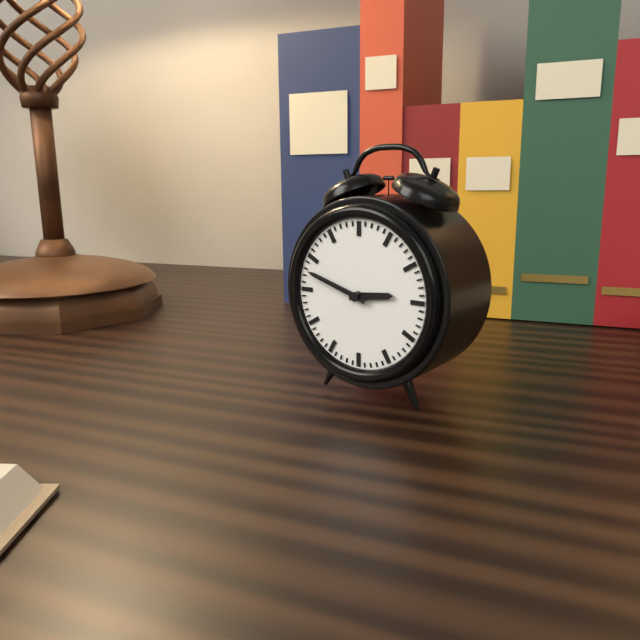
{"hour": 2, "minute": 48}
